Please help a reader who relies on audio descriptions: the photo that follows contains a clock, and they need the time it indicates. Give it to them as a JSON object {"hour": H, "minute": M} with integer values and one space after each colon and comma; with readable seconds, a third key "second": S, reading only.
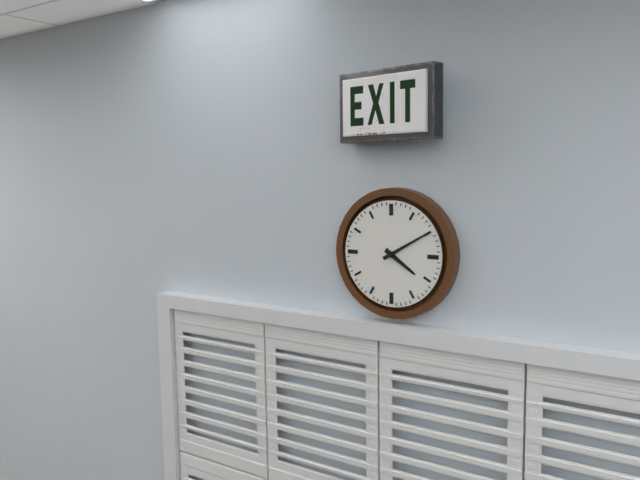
{"hour": 4, "minute": 10}
